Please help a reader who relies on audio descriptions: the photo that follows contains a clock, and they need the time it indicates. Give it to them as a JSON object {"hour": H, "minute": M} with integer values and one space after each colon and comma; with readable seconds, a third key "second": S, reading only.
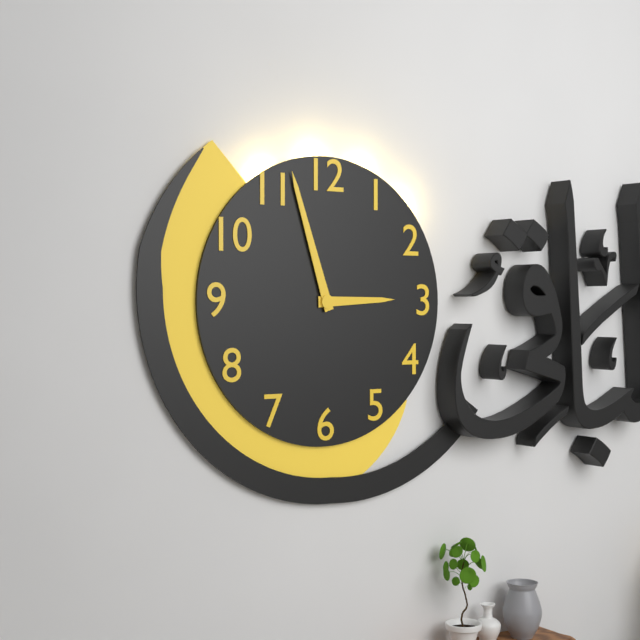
{"hour": 2, "minute": 57}
